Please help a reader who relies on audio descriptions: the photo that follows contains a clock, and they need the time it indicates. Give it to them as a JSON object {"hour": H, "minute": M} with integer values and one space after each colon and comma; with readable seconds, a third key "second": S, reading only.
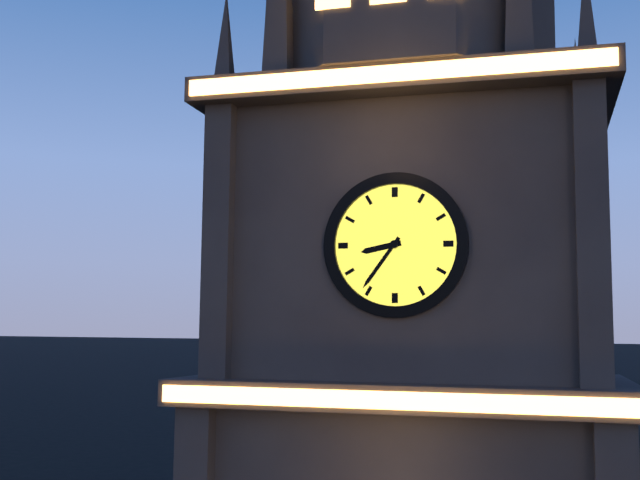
{"hour": 8, "minute": 36}
